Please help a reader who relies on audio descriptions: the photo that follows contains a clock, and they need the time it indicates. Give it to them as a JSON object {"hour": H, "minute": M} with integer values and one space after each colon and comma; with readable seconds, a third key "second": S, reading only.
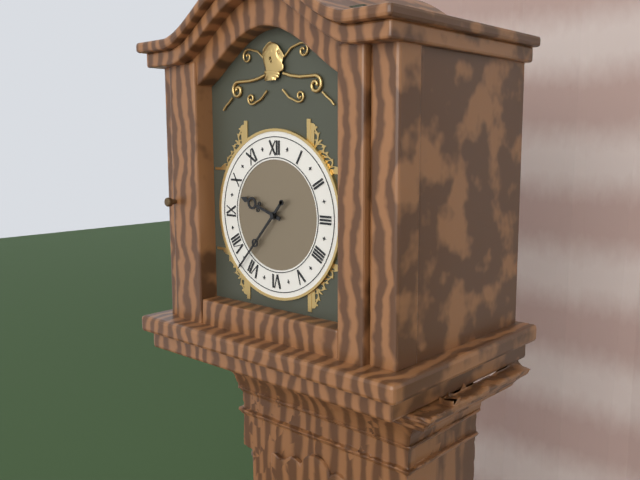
{"hour": 9, "minute": 37}
